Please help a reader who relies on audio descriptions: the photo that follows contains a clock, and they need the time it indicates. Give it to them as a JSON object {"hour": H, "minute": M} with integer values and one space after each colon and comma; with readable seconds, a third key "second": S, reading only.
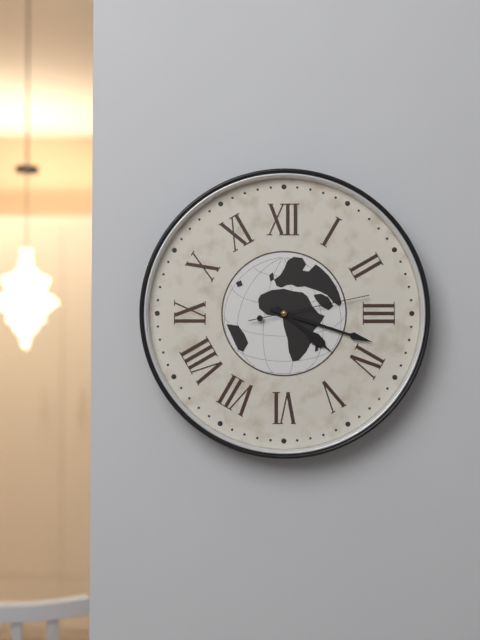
{"hour": 4, "minute": 18, "second": 13}
